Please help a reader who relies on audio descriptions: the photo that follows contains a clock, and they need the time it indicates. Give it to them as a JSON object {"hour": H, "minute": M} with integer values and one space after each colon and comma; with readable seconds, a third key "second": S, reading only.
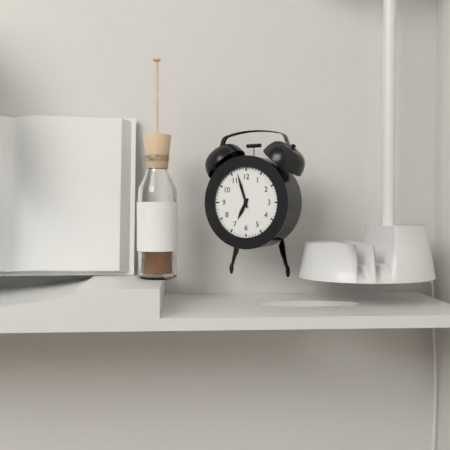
{"hour": 6, "minute": 57}
